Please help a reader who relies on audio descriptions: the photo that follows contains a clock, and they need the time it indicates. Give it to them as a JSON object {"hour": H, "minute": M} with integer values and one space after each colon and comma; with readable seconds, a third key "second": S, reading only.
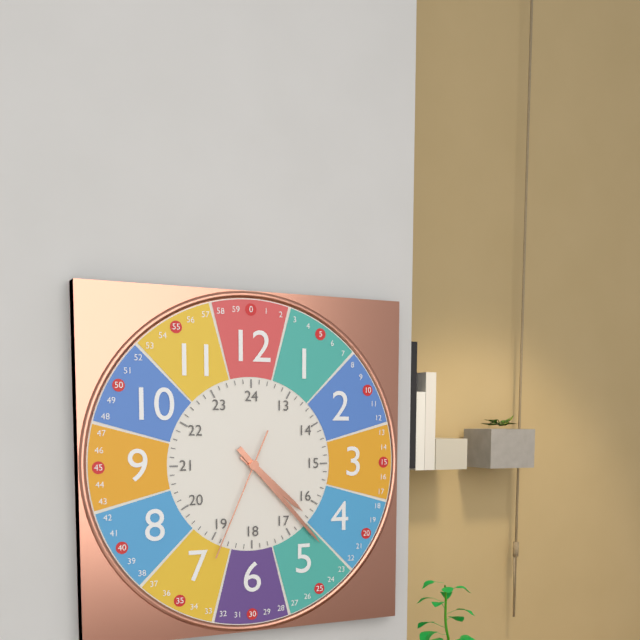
{"hour": 4, "minute": 23, "second": 34}
